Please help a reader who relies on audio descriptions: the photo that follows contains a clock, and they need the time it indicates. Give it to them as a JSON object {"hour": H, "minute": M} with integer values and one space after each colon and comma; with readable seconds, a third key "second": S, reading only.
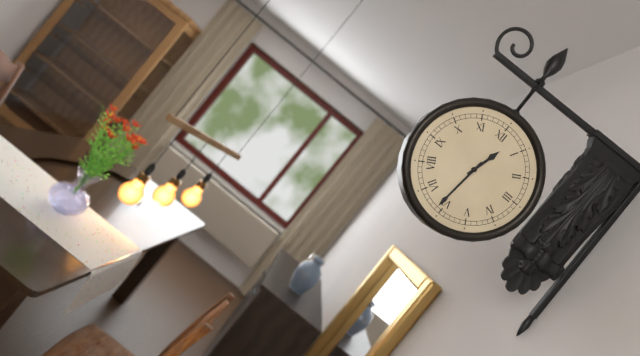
{"hour": 12, "minute": 31}
